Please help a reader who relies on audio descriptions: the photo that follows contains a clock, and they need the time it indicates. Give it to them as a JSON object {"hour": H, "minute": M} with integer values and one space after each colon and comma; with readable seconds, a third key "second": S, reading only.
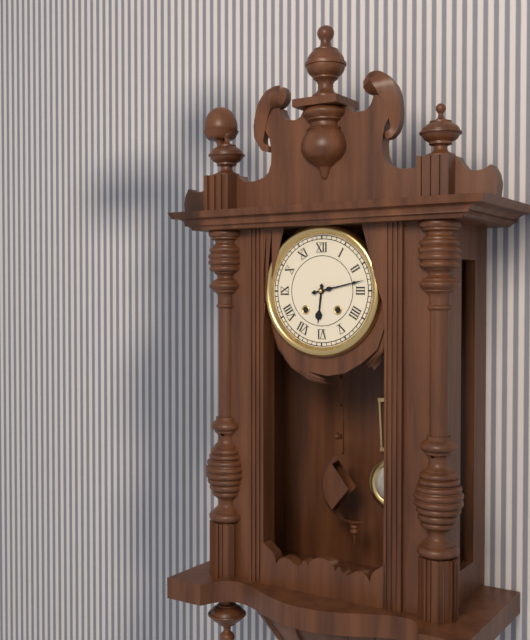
{"hour": 6, "minute": 13}
